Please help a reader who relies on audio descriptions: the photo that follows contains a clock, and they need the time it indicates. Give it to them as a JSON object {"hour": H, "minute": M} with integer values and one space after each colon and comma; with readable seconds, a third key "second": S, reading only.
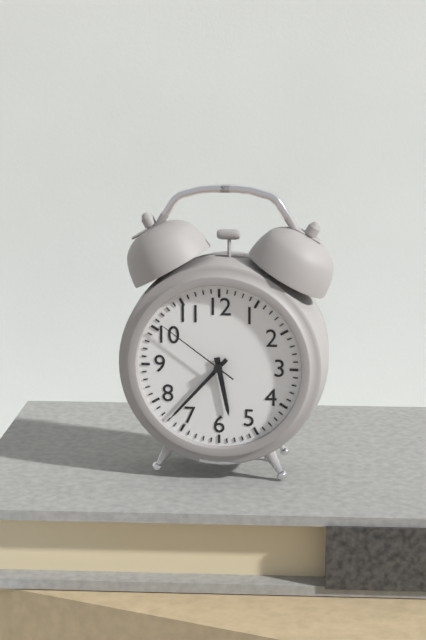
{"hour": 5, "minute": 37, "second": 51}
